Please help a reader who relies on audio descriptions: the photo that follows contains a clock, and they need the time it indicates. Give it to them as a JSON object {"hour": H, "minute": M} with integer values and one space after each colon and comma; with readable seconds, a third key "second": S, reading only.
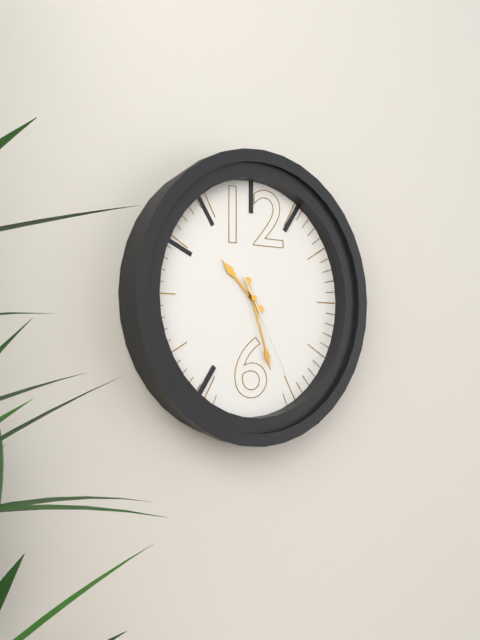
{"hour": 10, "minute": 27, "second": 25}
